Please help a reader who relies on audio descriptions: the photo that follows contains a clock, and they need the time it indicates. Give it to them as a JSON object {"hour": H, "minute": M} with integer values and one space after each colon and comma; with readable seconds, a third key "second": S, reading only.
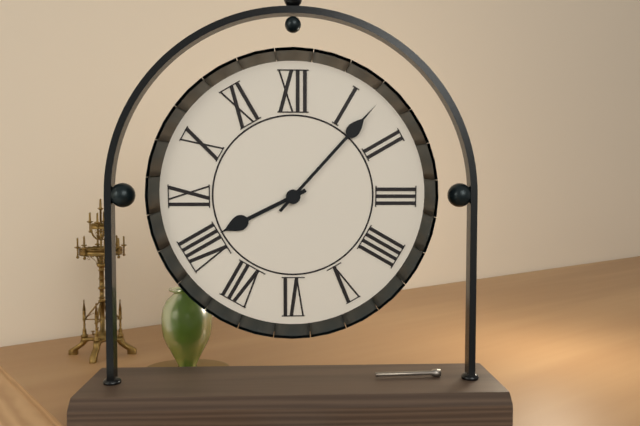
{"hour": 8, "minute": 7}
